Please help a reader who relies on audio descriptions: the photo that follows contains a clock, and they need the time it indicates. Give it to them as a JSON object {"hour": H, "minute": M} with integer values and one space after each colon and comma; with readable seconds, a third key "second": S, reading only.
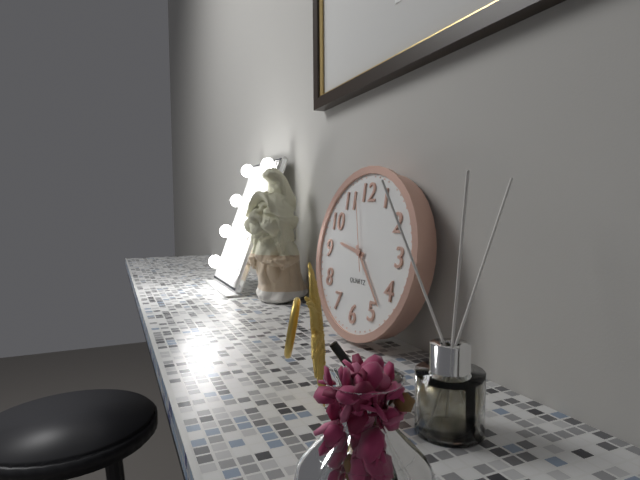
{"hour": 9, "minute": 23, "second": 57}
